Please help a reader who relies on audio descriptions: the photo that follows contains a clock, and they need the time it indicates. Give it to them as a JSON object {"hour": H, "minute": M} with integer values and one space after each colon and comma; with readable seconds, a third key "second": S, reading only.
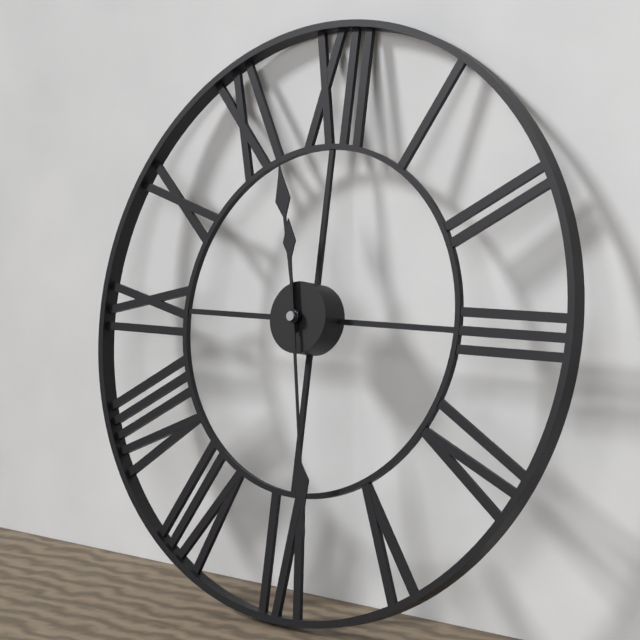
{"hour": 11, "minute": 28}
